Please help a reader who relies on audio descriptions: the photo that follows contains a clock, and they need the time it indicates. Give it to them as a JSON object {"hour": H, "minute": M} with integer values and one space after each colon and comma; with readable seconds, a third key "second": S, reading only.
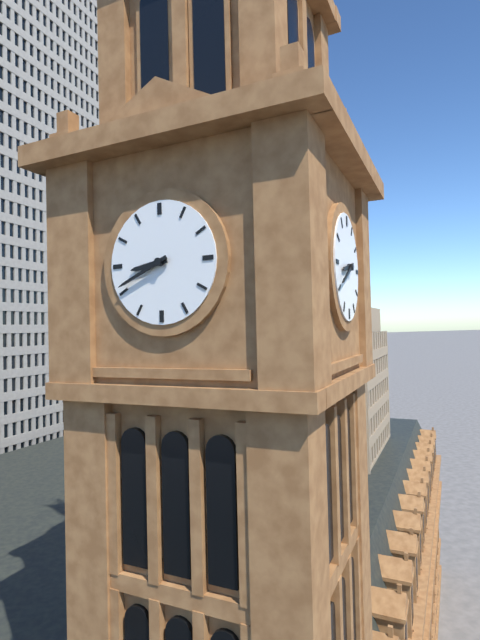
{"hour": 8, "minute": 41}
